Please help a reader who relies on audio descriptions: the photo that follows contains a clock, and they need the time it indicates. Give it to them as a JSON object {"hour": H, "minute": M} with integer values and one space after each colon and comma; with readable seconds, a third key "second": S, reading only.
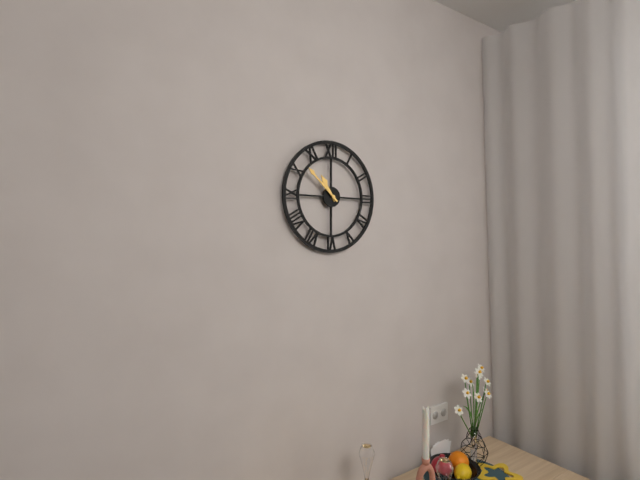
{"hour": 10, "minute": 52}
